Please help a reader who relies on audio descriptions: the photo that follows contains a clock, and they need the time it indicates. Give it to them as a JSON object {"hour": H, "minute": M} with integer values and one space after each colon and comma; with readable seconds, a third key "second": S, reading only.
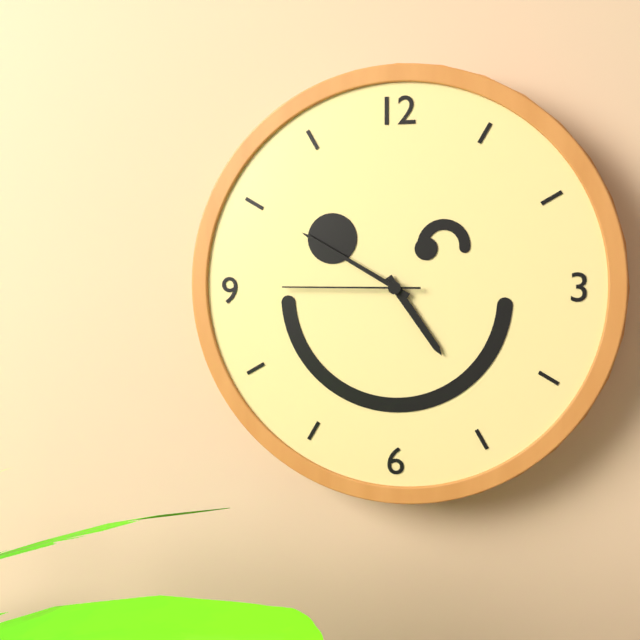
{"hour": 4, "minute": 50, "second": 45}
